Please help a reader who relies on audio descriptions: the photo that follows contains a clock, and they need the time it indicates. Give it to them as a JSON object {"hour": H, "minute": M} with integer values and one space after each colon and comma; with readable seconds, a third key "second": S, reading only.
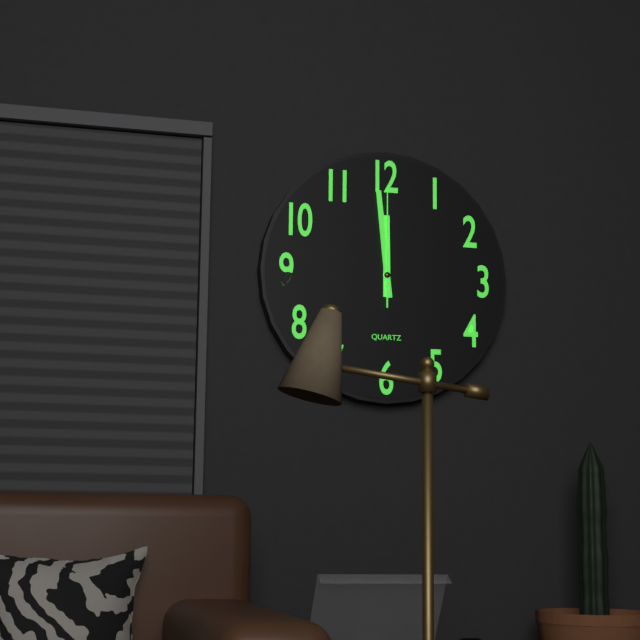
{"hour": 11, "minute": 59, "second": 0}
